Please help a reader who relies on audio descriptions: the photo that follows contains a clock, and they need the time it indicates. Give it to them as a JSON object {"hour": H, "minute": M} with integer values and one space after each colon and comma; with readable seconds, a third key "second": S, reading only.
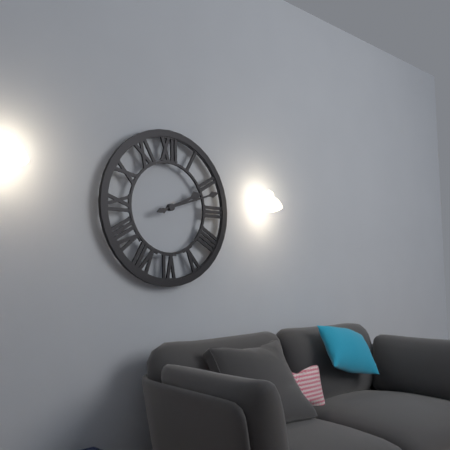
{"hour": 2, "minute": 12}
